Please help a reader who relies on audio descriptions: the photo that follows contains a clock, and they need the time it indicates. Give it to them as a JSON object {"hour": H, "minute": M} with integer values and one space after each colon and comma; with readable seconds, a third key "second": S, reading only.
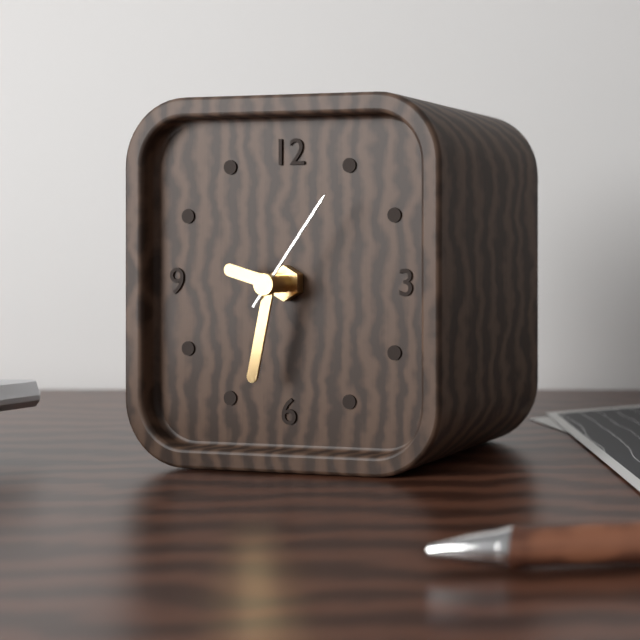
{"hour": 9, "minute": 32, "second": 6}
